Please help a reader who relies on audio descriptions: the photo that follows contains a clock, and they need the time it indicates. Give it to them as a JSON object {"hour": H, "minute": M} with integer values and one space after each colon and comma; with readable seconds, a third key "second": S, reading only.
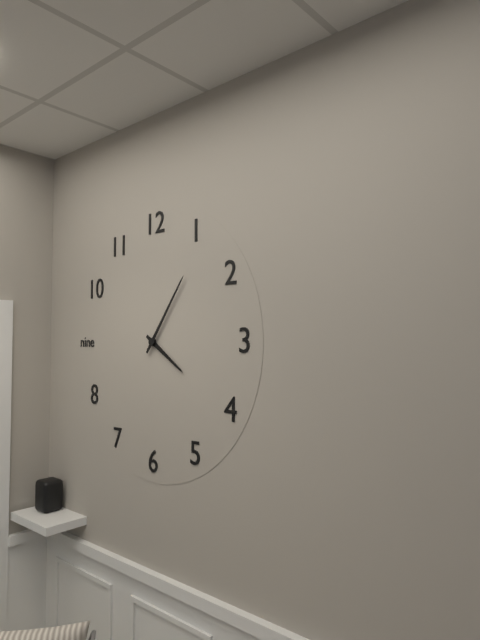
{"hour": 4, "minute": 6}
